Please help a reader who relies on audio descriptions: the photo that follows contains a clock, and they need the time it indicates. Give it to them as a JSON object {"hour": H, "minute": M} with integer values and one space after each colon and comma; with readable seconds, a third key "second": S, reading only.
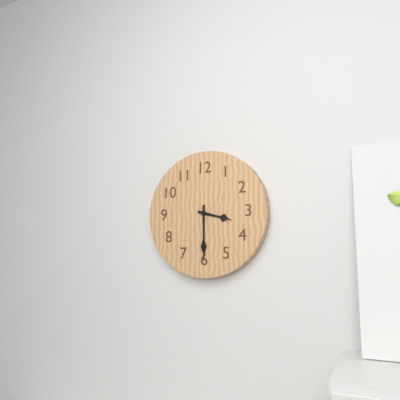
{"hour": 3, "minute": 30}
